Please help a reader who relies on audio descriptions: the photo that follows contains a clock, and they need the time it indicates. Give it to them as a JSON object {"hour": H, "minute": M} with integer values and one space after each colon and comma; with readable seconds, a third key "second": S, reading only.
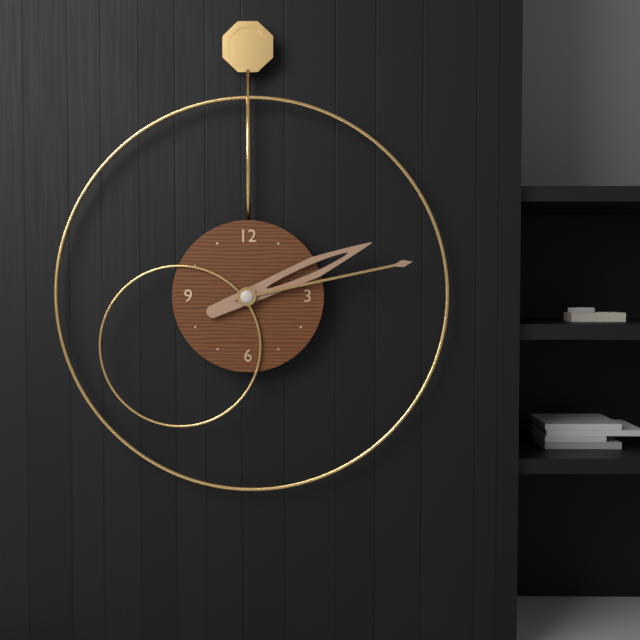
{"hour": 2, "minute": 13}
